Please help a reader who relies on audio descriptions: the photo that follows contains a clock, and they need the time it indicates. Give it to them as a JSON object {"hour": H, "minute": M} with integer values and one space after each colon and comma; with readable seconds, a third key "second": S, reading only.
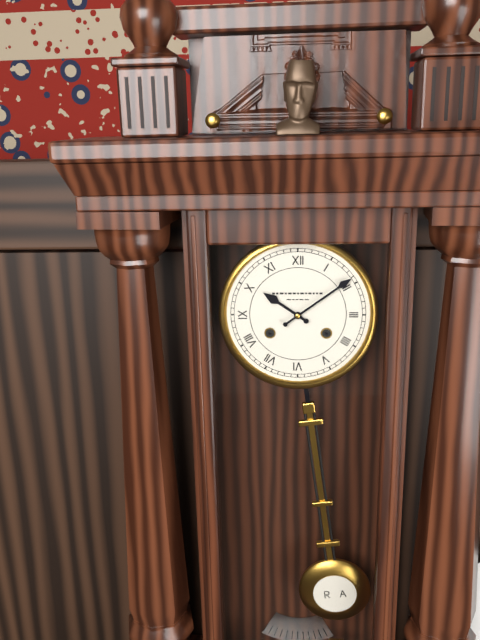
{"hour": 10, "minute": 9}
